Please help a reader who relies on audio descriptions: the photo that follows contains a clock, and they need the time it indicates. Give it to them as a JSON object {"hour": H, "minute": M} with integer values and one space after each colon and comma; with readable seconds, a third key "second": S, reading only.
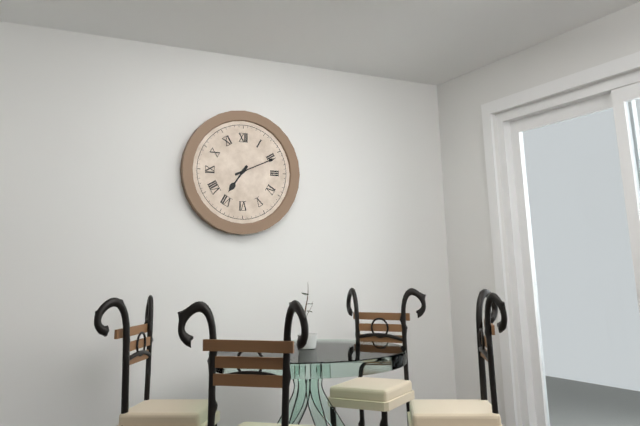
{"hour": 7, "minute": 11}
